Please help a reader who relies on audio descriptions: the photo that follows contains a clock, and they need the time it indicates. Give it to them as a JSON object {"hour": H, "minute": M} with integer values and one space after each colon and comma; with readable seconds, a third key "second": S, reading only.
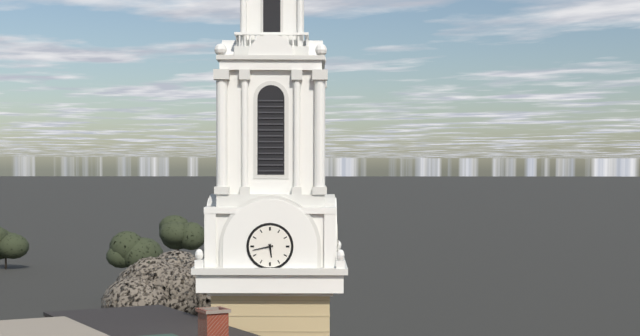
{"hour": 5, "minute": 43}
